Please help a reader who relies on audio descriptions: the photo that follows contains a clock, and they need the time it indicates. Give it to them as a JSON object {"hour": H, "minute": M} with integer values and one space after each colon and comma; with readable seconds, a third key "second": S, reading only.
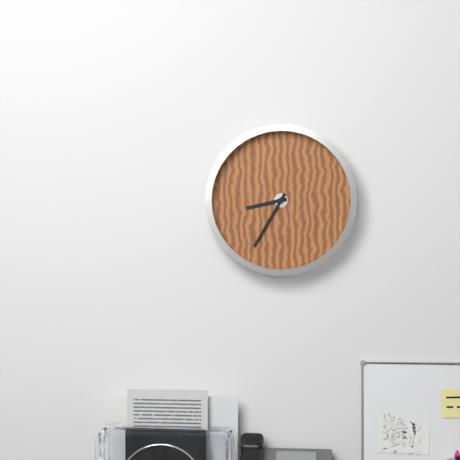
{"hour": 8, "minute": 35}
